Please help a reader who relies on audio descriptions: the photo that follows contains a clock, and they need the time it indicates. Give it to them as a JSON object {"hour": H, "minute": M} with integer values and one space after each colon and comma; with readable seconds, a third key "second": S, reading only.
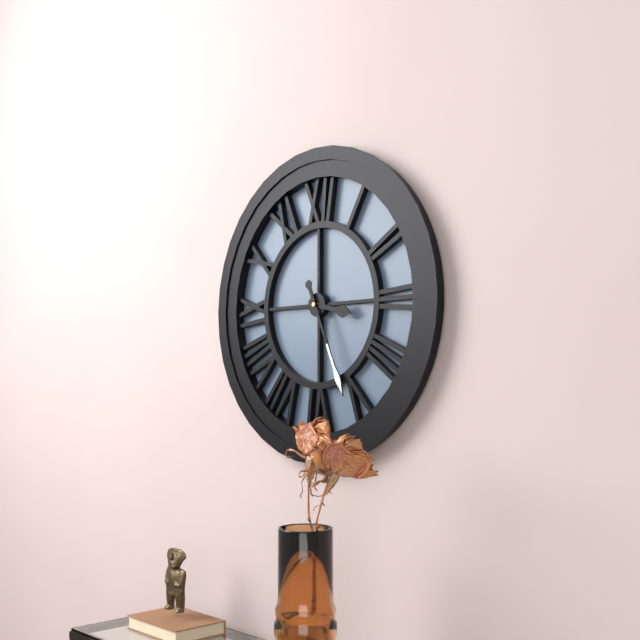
{"hour": 3, "minute": 26}
